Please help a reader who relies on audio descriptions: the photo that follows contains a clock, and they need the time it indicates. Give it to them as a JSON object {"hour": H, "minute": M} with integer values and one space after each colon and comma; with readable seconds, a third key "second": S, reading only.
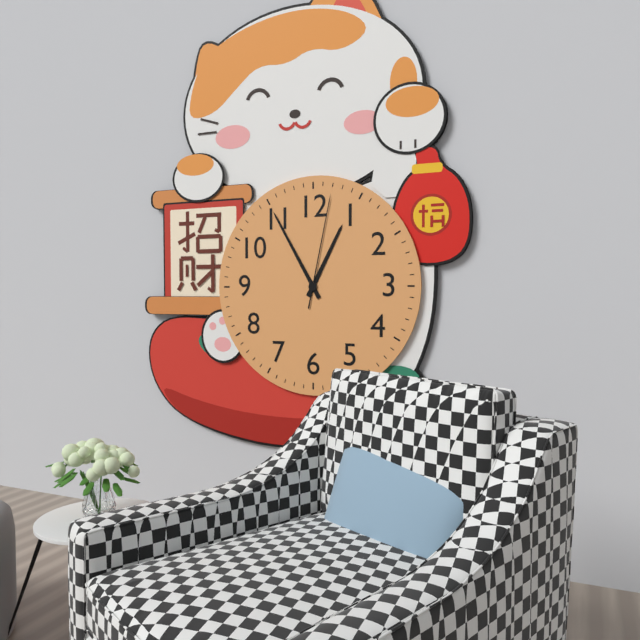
{"hour": 12, "minute": 55, "second": 2}
